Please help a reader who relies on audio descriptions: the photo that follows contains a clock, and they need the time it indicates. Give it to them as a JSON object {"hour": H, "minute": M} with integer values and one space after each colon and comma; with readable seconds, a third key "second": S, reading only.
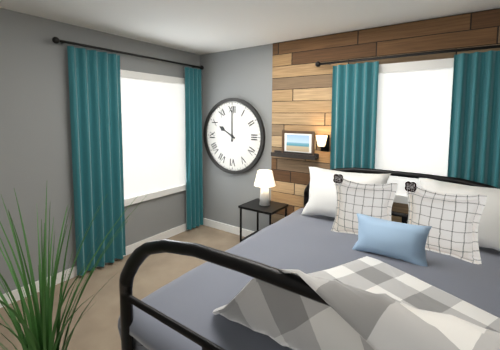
{"hour": 10, "minute": 0}
